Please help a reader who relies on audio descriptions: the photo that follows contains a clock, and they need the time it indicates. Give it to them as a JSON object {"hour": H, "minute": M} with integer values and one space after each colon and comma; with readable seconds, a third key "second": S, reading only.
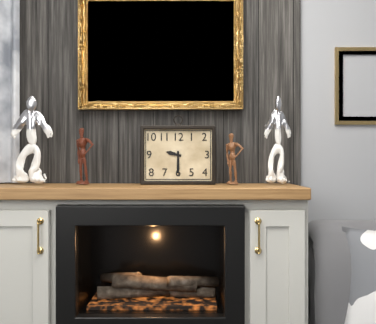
{"hour": 9, "minute": 30}
